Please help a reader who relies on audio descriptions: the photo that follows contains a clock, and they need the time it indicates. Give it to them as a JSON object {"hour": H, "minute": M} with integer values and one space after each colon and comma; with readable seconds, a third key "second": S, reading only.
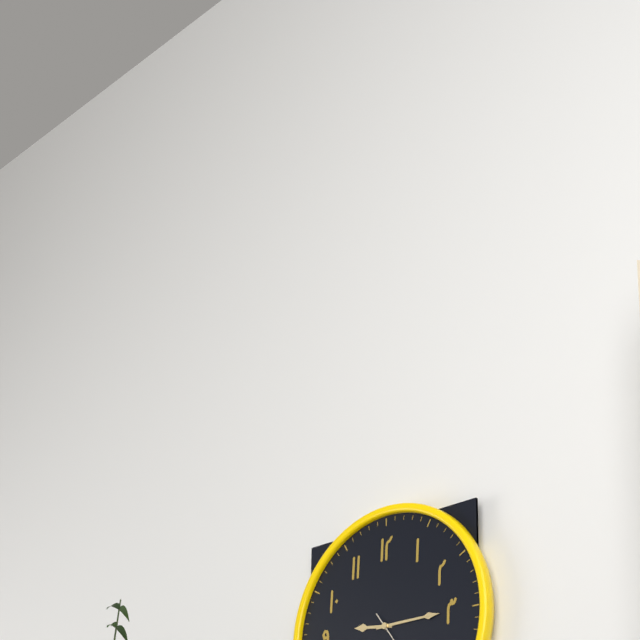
{"hour": 9, "minute": 15}
